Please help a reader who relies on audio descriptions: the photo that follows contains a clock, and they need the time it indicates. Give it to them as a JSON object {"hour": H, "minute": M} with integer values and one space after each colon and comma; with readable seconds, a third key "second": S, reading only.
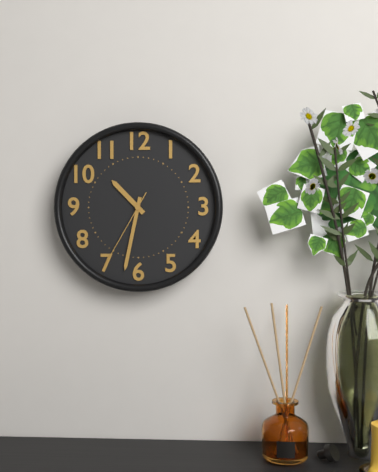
{"hour": 10, "minute": 32, "second": 35}
